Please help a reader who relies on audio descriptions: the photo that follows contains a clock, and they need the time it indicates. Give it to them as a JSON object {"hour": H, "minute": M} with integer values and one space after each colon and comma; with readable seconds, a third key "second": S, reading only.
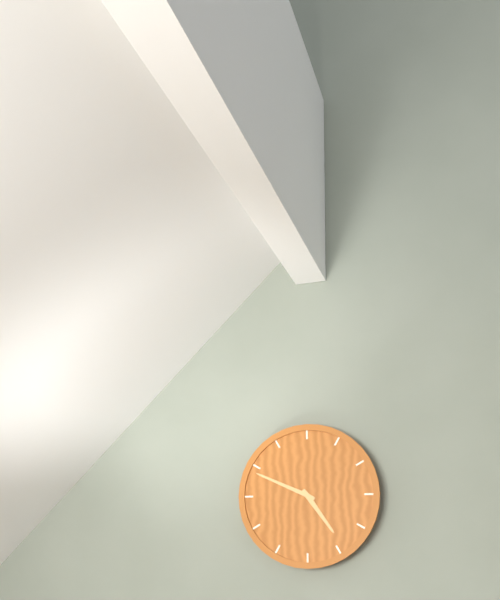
{"hour": 4, "minute": 49}
